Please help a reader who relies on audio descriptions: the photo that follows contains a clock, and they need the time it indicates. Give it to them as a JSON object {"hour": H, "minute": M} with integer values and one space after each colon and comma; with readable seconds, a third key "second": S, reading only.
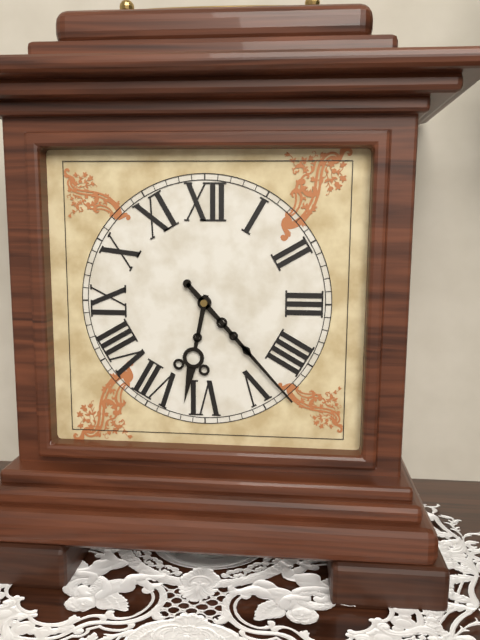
{"hour": 6, "minute": 23}
